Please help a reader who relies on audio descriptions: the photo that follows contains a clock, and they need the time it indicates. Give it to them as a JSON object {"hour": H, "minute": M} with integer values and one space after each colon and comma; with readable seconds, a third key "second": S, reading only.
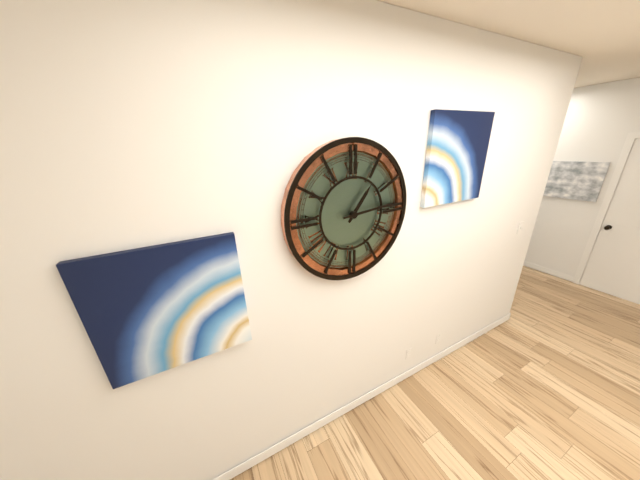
{"hour": 1, "minute": 14}
